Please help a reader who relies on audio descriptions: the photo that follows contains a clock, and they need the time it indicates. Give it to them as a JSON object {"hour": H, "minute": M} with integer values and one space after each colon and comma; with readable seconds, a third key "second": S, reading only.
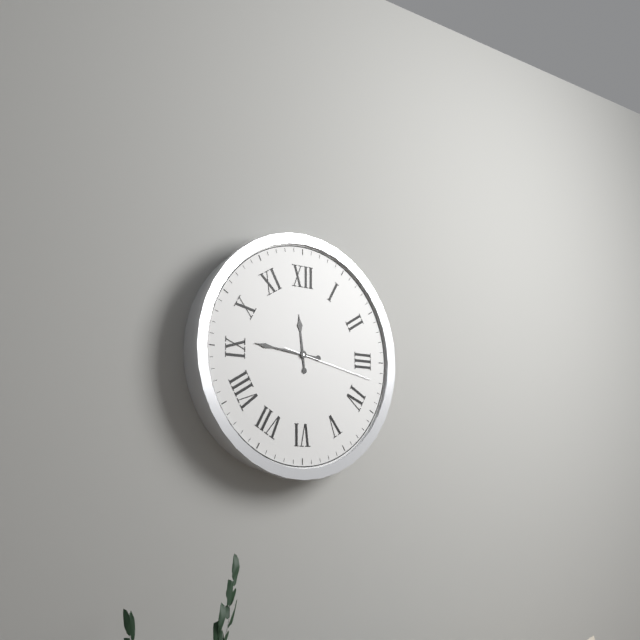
{"hour": 11, "minute": 46, "second": 17}
